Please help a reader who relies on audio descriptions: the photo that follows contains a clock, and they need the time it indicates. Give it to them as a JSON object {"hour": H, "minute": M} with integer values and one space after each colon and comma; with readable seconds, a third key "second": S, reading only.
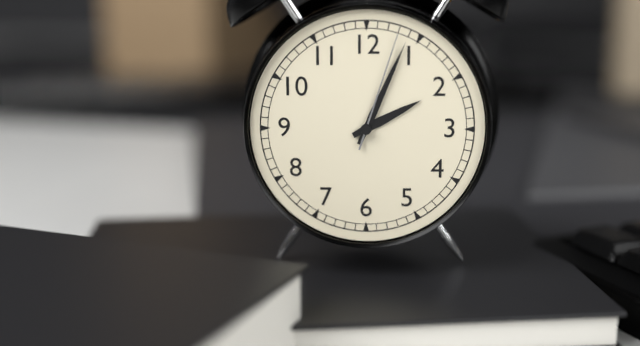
{"hour": 2, "minute": 4, "second": 3}
